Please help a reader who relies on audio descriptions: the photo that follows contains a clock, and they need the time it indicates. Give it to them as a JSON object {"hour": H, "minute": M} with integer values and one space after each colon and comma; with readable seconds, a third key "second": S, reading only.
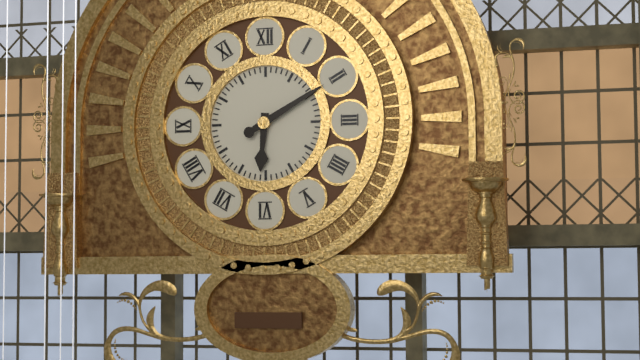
{"hour": 6, "minute": 10}
